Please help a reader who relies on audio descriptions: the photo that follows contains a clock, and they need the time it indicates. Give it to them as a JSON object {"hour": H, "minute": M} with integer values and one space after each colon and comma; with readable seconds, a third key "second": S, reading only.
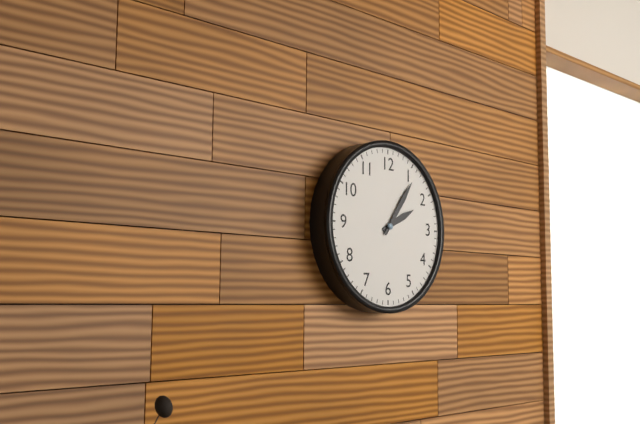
{"hour": 2, "minute": 6}
